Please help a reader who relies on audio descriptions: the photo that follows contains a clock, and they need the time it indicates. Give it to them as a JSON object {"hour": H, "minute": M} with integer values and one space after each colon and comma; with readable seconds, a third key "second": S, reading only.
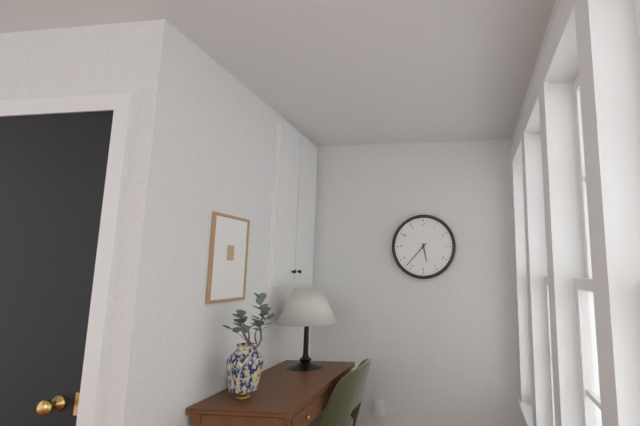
{"hour": 5, "minute": 37}
